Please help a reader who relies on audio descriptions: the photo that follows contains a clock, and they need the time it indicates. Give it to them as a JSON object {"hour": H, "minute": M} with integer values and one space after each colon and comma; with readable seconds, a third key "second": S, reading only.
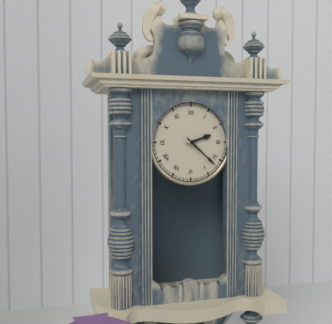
{"hour": 2, "minute": 22}
